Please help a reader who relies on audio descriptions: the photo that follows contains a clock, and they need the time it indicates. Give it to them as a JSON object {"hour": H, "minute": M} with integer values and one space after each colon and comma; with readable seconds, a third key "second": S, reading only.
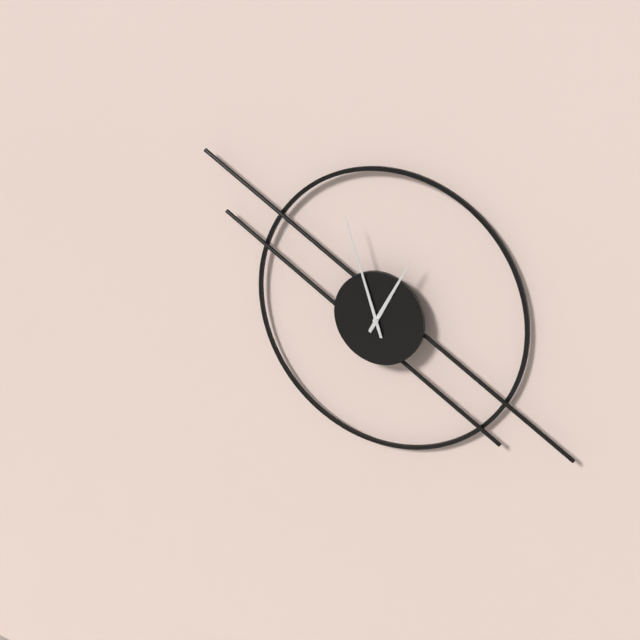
{"hour": 12, "minute": 57}
